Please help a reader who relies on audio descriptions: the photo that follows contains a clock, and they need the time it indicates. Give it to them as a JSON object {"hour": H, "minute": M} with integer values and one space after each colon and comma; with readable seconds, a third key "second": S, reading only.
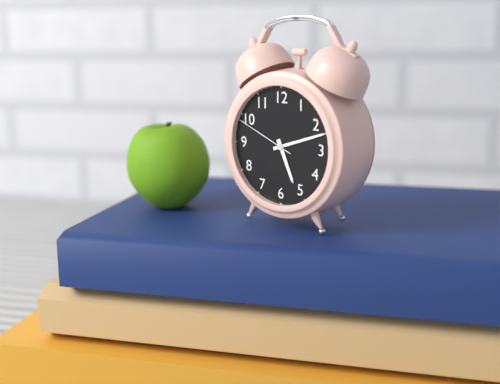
{"hour": 5, "minute": 12, "second": 49}
